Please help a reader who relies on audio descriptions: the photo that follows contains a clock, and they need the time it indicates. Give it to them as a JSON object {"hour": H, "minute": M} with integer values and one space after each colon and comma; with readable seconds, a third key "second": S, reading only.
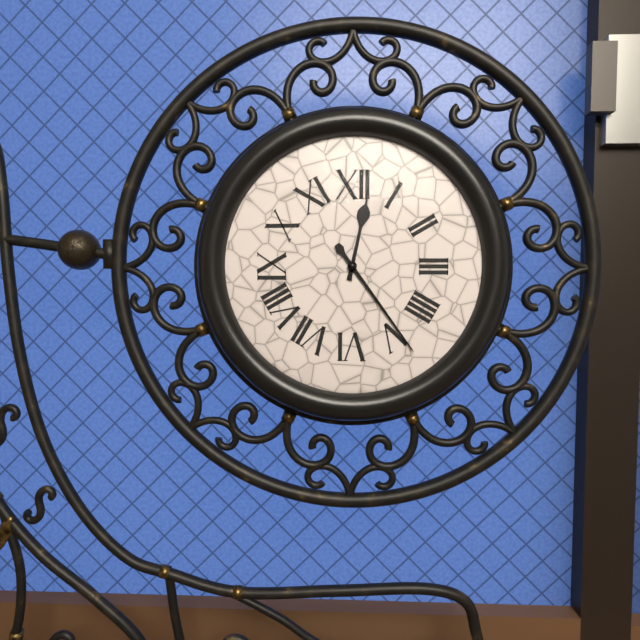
{"hour": 12, "minute": 24}
